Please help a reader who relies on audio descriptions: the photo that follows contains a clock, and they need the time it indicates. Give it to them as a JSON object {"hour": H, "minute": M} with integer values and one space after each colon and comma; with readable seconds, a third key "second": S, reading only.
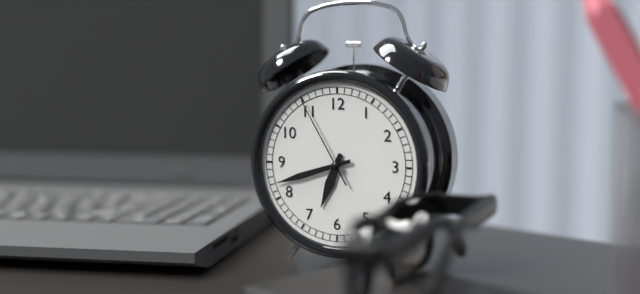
{"hour": 6, "minute": 42, "second": 55}
